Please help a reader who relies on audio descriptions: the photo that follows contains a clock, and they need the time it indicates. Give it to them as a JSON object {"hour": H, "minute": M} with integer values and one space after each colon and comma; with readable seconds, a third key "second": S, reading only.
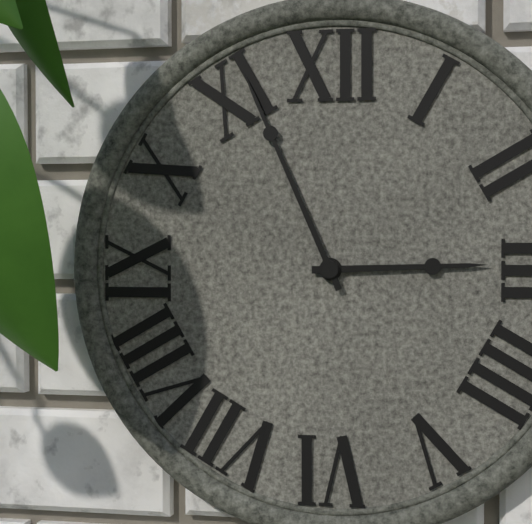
{"hour": 2, "minute": 56}
